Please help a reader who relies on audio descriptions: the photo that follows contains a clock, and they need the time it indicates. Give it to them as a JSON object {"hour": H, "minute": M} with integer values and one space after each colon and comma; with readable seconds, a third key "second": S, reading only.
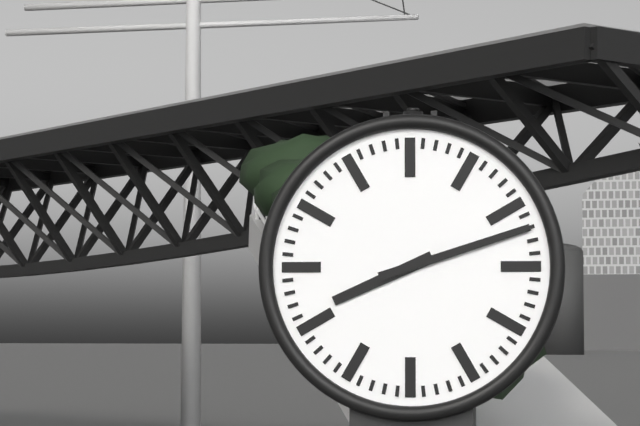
{"hour": 8, "minute": 12}
